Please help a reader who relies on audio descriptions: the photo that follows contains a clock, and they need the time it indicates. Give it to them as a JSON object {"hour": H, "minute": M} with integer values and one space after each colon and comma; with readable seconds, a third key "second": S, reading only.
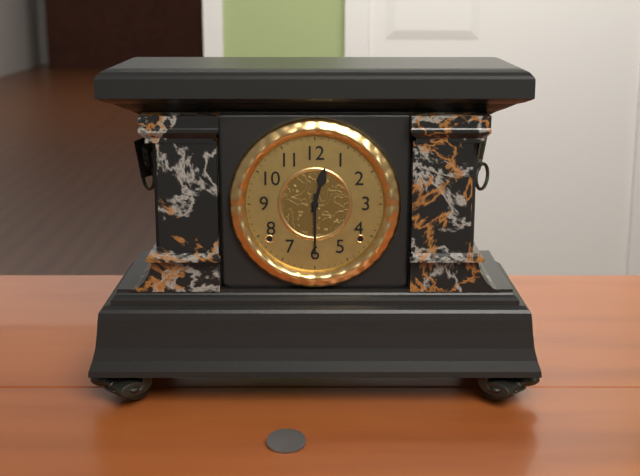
{"hour": 12, "minute": 30}
